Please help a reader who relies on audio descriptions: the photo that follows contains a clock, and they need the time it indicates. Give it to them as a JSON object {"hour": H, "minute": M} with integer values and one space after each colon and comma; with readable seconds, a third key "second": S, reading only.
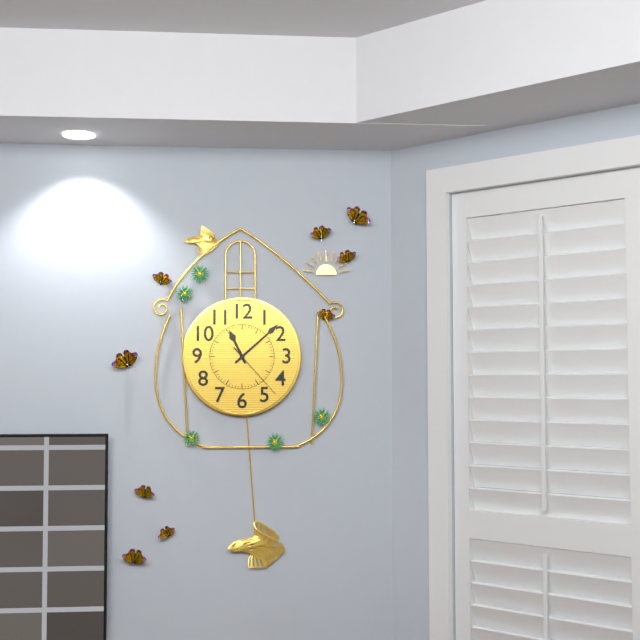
{"hour": 11, "minute": 8, "second": 23}
